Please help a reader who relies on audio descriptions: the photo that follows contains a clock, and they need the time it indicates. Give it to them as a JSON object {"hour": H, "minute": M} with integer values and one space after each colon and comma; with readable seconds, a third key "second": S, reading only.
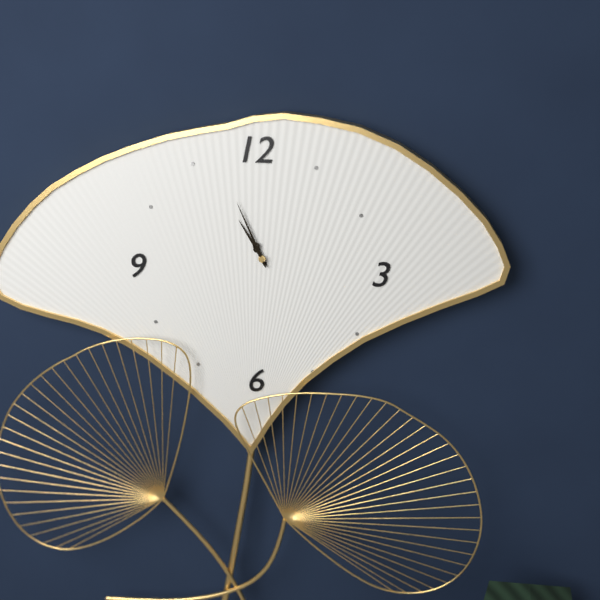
{"hour": 10, "minute": 56}
